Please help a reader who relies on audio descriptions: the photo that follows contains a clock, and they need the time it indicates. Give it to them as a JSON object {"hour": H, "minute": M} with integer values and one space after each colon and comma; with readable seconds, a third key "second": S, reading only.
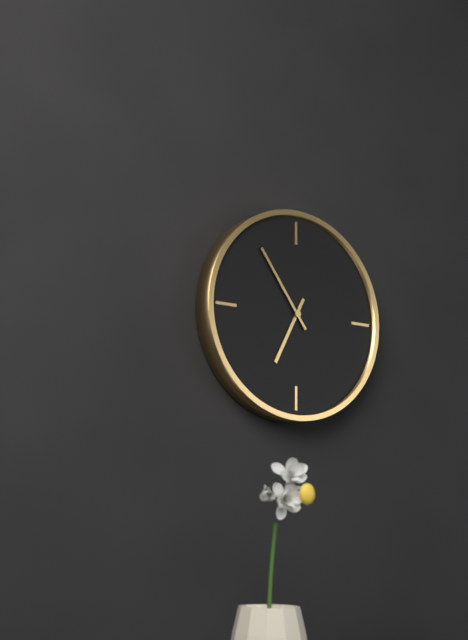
{"hour": 6, "minute": 54}
